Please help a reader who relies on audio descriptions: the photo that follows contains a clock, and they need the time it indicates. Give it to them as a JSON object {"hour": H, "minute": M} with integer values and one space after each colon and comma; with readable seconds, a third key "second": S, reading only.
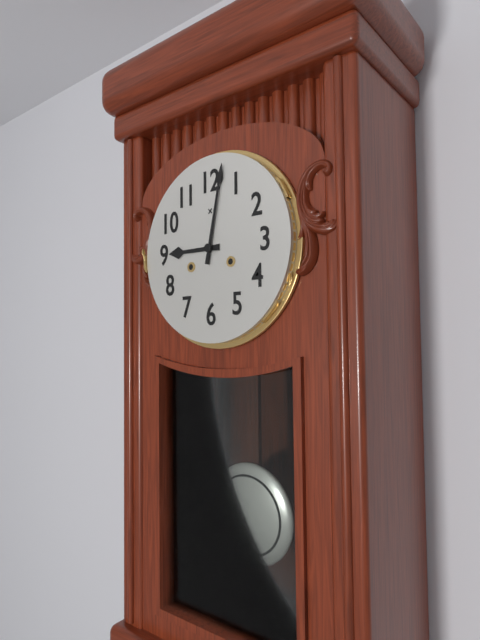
{"hour": 9, "minute": 2}
